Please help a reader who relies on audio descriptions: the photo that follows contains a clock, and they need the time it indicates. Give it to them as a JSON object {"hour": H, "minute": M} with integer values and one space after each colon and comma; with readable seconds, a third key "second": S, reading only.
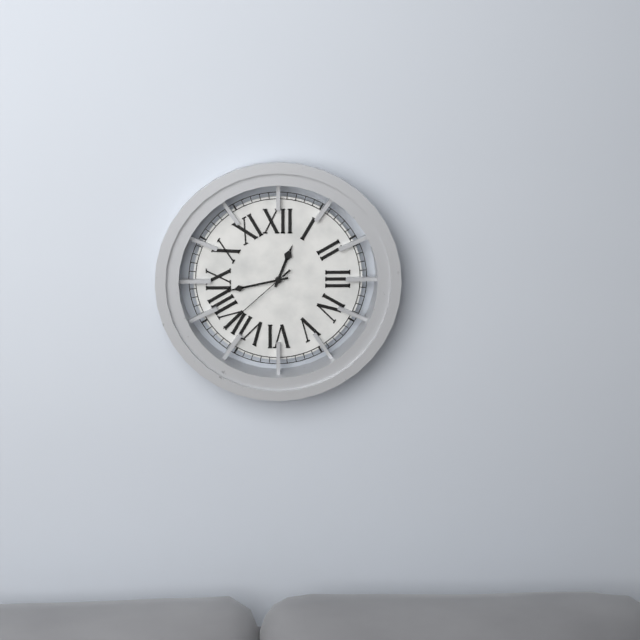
{"hour": 12, "minute": 43, "second": 38}
